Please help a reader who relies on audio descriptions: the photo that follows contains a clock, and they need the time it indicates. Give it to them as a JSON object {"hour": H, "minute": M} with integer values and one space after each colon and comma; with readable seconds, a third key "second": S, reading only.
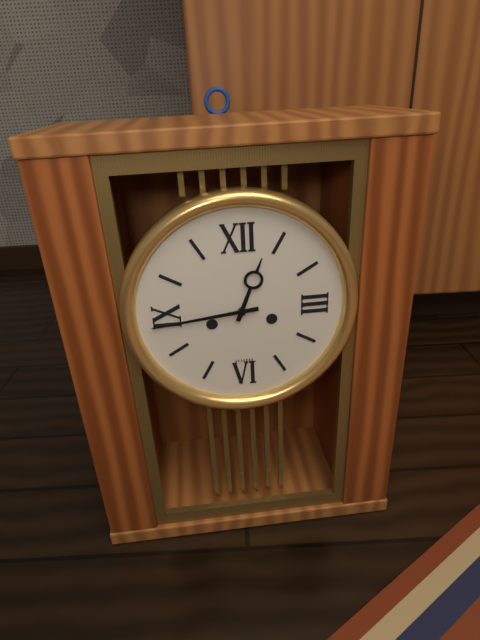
{"hour": 12, "minute": 44}
